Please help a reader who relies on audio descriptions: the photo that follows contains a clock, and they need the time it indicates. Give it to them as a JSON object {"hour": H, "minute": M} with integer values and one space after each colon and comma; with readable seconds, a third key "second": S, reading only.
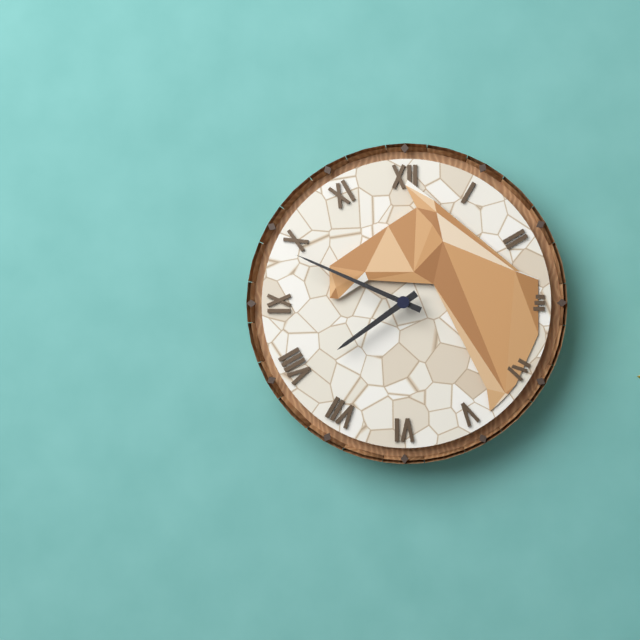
{"hour": 7, "minute": 49}
